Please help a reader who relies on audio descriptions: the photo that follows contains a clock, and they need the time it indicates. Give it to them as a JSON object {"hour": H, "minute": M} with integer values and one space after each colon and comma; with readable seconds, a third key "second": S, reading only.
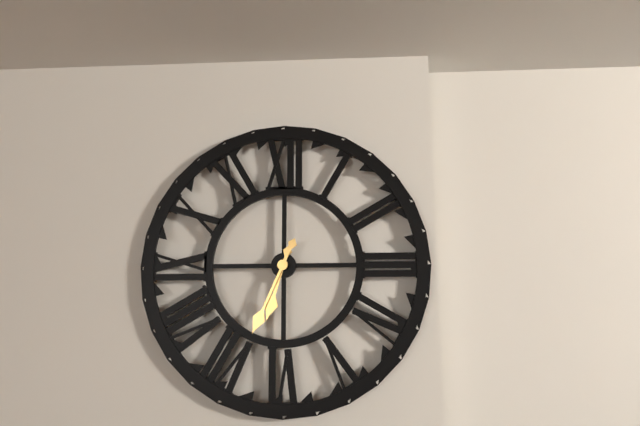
{"hour": 6, "minute": 34}
